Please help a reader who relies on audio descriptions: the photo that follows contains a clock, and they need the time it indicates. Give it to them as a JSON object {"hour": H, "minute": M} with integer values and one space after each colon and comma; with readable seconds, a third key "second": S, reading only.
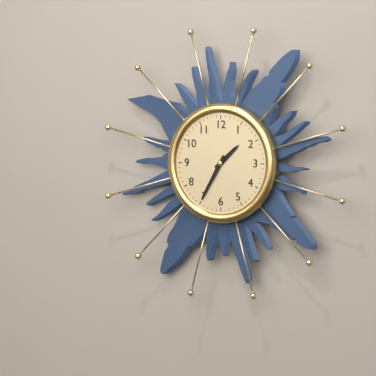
{"hour": 1, "minute": 35}
